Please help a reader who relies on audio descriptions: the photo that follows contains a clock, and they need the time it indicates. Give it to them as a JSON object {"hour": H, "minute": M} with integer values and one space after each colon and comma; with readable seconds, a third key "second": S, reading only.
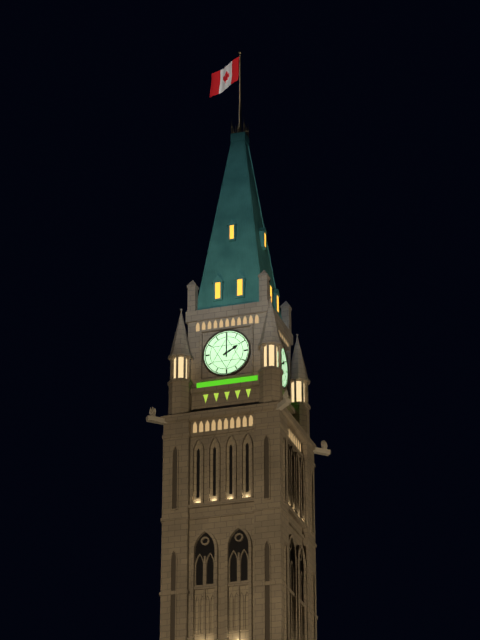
{"hour": 2, "minute": 0}
